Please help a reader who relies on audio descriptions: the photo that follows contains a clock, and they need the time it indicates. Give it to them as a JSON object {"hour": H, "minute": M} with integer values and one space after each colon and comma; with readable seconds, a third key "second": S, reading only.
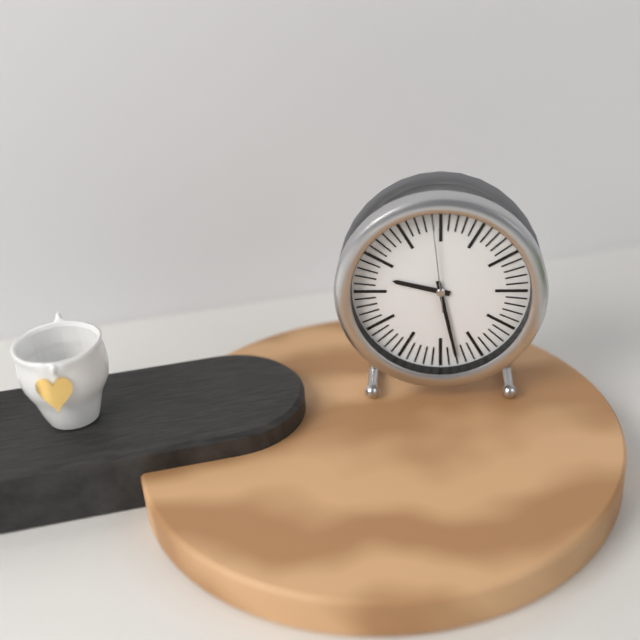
{"hour": 9, "minute": 28, "second": 59}
